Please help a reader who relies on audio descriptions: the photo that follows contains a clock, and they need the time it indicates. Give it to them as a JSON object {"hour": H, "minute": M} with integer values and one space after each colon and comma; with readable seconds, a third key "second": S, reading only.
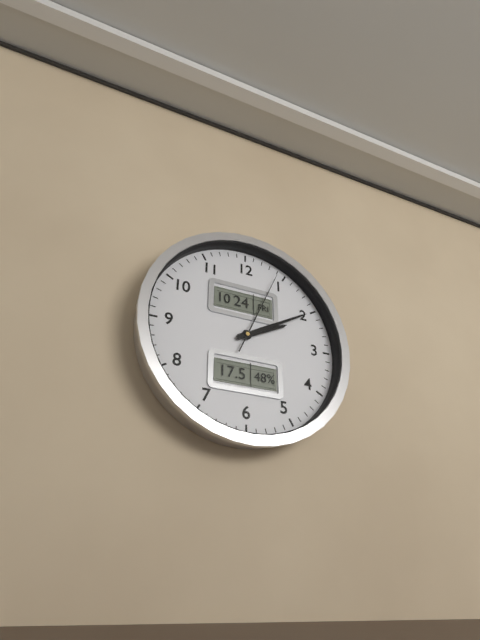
{"hour": 2, "minute": 10, "second": 4}
